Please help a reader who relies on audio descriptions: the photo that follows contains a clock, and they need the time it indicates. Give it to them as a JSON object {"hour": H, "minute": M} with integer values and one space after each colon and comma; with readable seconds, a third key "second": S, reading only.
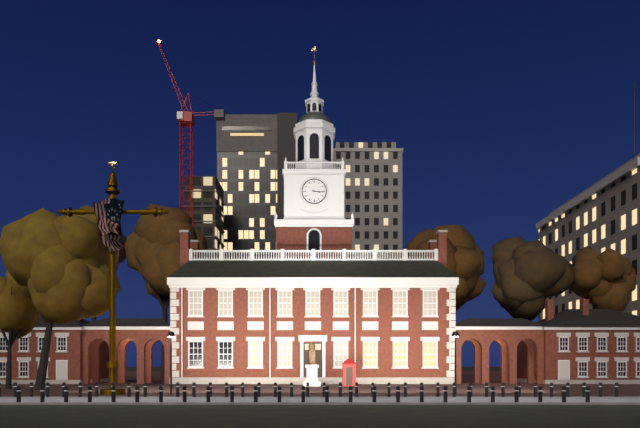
{"hour": 3, "minute": 16}
